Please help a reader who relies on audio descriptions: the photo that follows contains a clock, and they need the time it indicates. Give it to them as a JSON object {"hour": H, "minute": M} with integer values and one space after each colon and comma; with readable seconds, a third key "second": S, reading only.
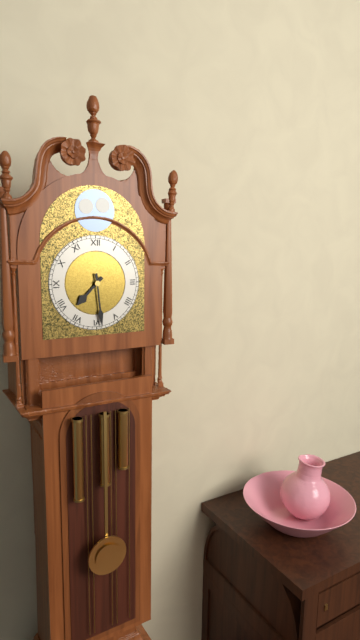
{"hour": 7, "minute": 29}
